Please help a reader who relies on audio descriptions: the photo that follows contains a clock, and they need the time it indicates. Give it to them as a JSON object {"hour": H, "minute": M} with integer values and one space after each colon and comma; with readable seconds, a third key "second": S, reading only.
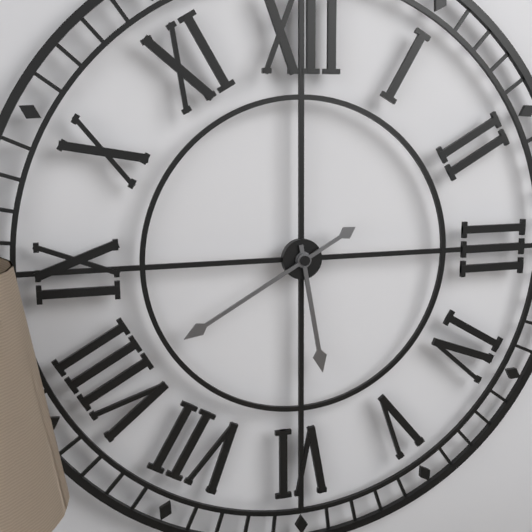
{"hour": 5, "minute": 40}
